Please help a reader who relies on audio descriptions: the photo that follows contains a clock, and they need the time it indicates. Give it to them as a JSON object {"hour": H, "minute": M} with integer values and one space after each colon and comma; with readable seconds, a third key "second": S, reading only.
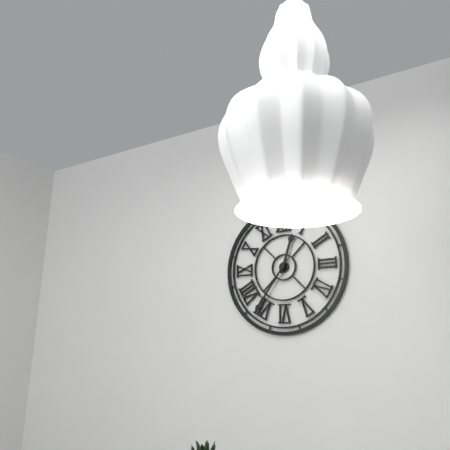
{"hour": 12, "minute": 36}
